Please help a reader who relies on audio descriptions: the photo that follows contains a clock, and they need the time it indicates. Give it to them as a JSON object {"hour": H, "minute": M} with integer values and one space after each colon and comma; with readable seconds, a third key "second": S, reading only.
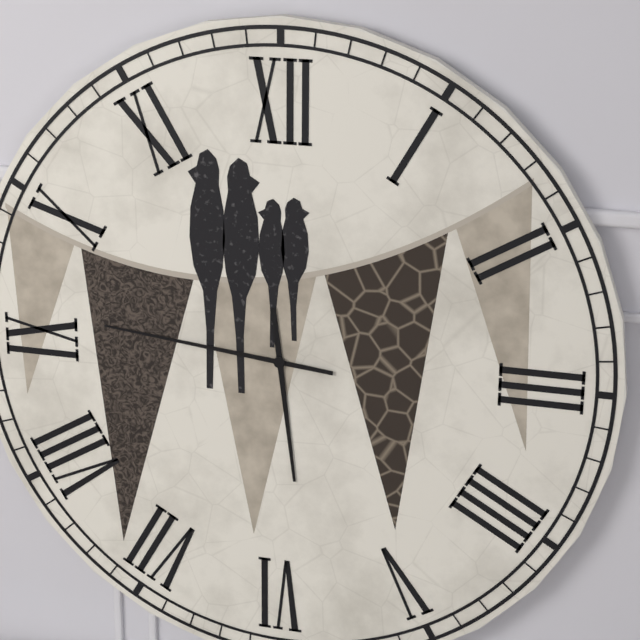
{"hour": 5, "minute": 46}
